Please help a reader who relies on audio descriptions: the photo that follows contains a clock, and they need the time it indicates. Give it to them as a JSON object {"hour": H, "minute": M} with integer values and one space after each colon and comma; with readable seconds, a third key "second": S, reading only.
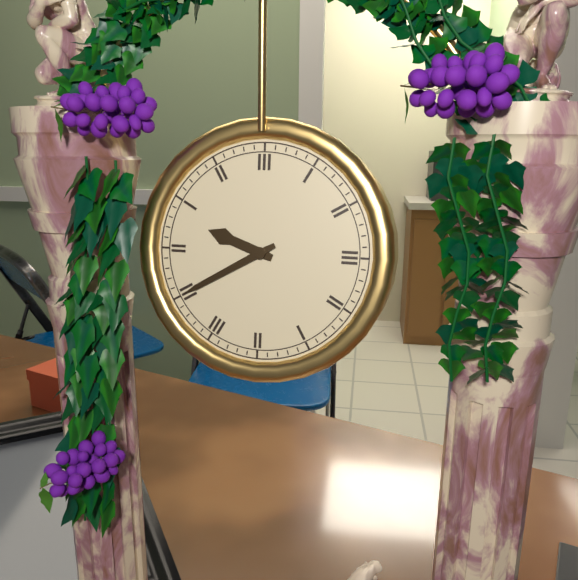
{"hour": 9, "minute": 40}
